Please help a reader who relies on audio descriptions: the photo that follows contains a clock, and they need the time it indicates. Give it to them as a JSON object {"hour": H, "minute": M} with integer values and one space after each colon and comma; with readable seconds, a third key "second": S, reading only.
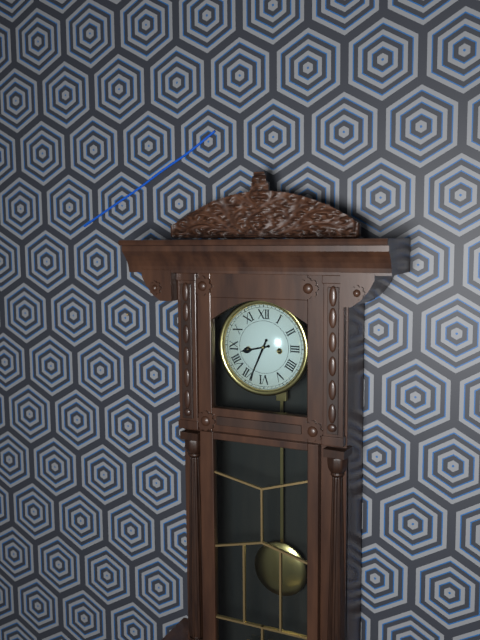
{"hour": 8, "minute": 34}
